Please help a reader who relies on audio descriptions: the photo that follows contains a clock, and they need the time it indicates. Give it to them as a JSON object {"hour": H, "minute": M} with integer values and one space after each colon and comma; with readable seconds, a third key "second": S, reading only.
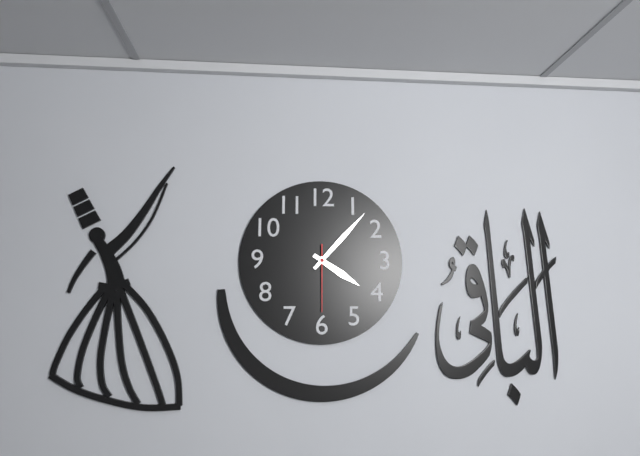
{"hour": 4, "minute": 7, "second": 30}
